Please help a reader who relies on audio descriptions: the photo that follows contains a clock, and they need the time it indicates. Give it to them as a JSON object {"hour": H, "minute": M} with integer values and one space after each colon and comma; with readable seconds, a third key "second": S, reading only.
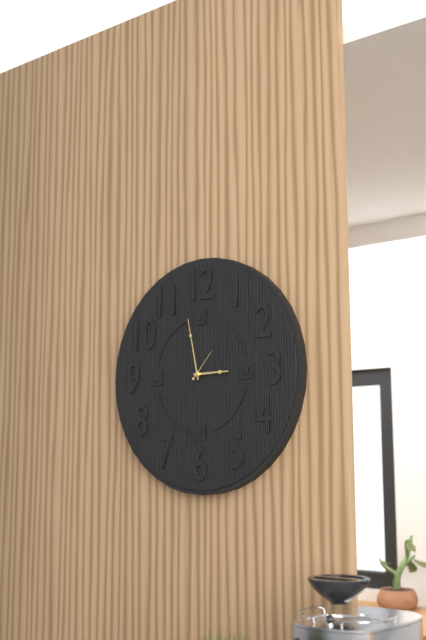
{"hour": 2, "minute": 58}
